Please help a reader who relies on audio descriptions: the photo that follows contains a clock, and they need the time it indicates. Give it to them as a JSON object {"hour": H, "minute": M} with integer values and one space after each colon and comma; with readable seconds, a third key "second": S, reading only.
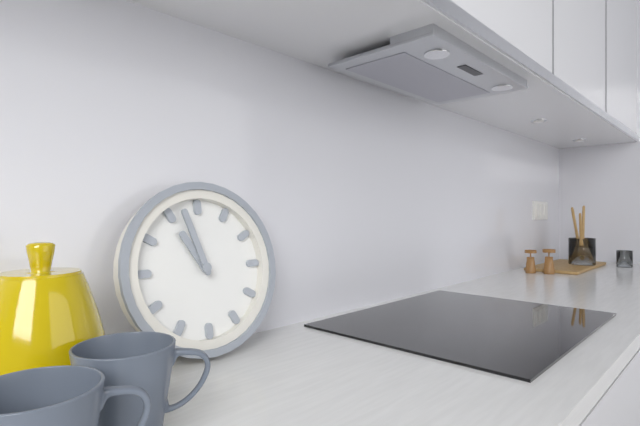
{"hour": 10, "minute": 57}
